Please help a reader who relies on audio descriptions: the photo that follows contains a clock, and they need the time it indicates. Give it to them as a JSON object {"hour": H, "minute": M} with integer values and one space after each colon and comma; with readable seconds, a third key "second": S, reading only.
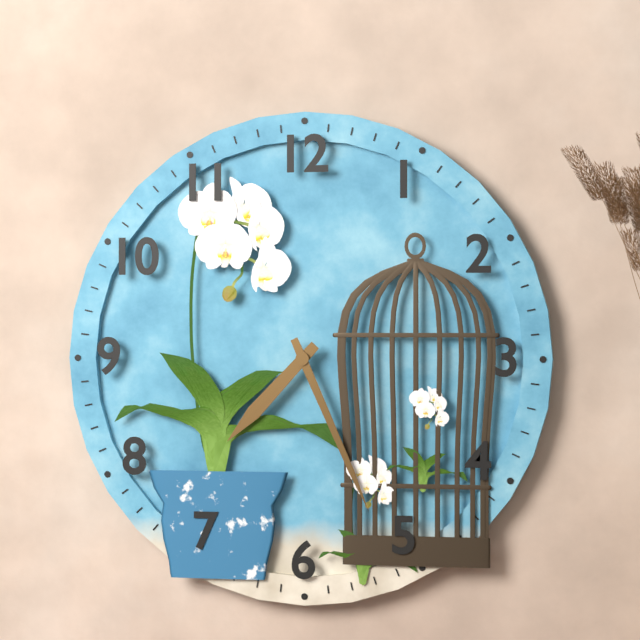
{"hour": 7, "minute": 26}
